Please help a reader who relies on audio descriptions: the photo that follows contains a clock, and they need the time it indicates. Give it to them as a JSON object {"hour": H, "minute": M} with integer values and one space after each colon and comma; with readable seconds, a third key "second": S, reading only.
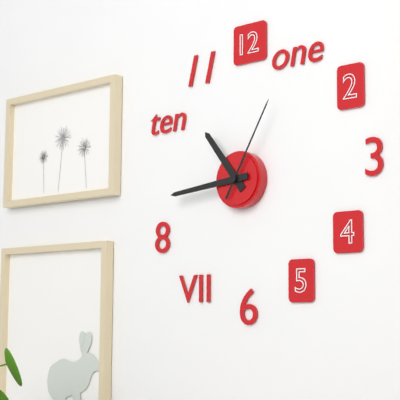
{"hour": 10, "minute": 44, "second": 5}
